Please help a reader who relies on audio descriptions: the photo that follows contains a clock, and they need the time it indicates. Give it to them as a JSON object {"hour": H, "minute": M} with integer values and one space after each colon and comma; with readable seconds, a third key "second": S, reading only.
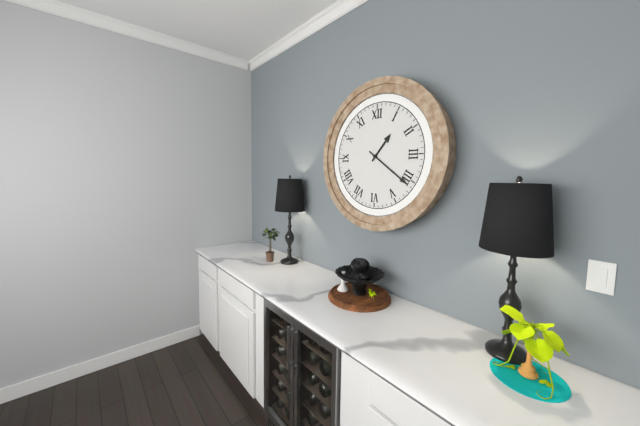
{"hour": 1, "minute": 21}
